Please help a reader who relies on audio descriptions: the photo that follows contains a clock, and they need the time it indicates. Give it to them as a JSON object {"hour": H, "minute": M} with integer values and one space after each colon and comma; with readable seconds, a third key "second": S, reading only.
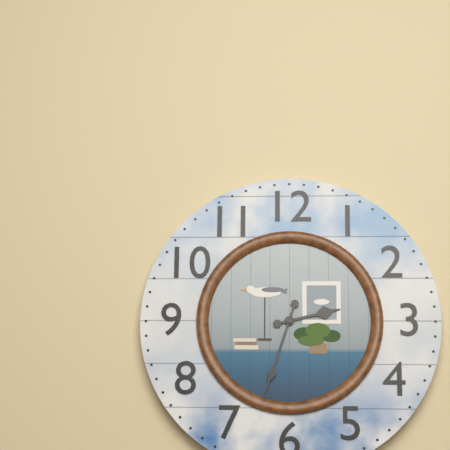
{"hour": 2, "minute": 33}
